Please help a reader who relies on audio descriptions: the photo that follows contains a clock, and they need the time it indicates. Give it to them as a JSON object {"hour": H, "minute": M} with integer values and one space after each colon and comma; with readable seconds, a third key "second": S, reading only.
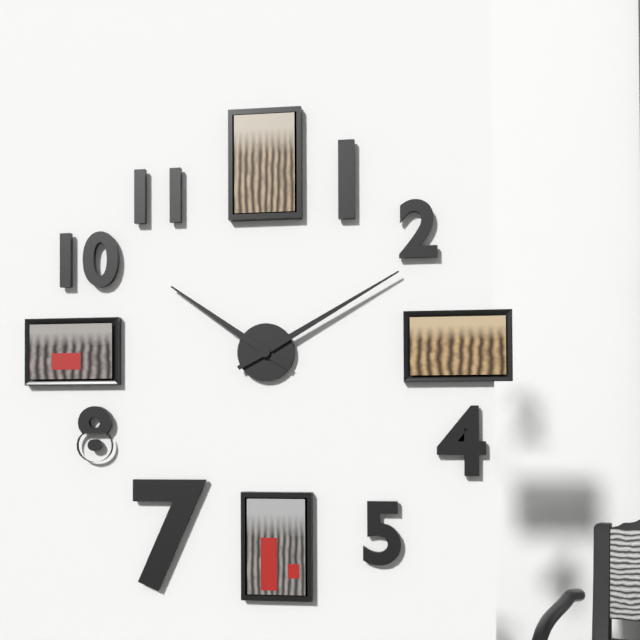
{"hour": 10, "minute": 10}
